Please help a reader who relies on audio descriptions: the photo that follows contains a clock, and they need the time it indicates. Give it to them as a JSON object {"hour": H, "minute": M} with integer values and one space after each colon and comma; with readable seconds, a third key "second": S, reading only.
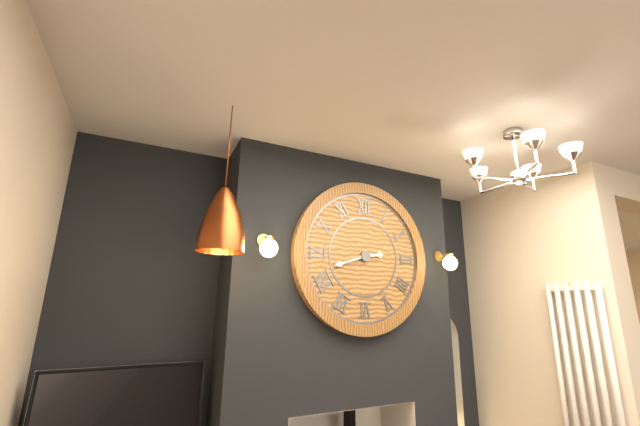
{"hour": 2, "minute": 42}
